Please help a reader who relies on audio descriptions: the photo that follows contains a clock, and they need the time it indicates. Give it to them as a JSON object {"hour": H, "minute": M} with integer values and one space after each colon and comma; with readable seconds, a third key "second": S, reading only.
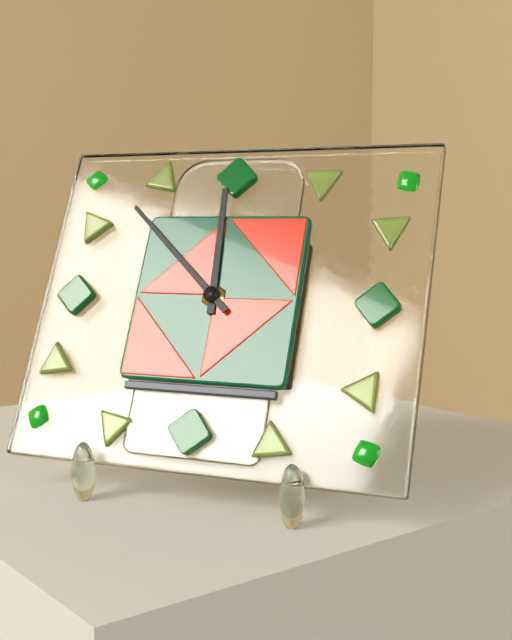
{"hour": 11, "minute": 52}
